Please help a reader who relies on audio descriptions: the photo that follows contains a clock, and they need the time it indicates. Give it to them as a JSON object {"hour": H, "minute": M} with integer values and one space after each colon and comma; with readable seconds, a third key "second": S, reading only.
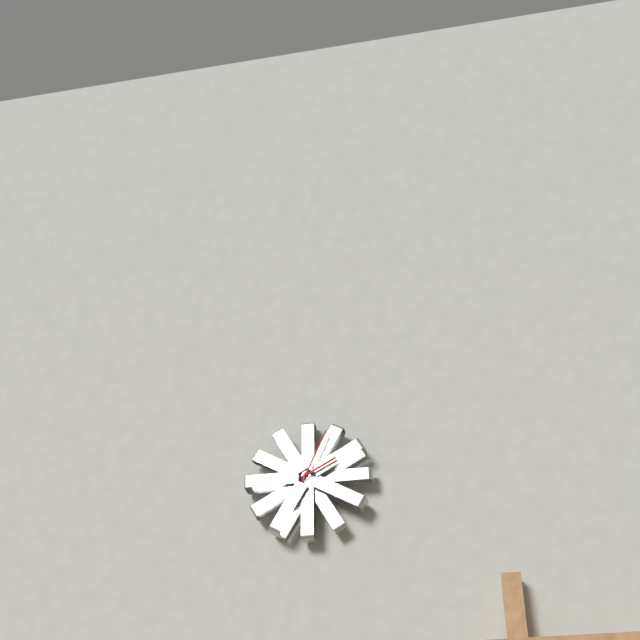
{"hour": 2, "minute": 4}
